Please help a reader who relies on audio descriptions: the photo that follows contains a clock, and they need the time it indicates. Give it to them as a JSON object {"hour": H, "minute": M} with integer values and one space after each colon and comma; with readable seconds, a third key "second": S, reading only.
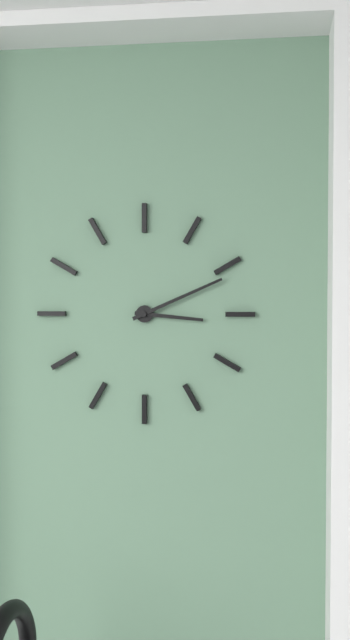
{"hour": 3, "minute": 11}
